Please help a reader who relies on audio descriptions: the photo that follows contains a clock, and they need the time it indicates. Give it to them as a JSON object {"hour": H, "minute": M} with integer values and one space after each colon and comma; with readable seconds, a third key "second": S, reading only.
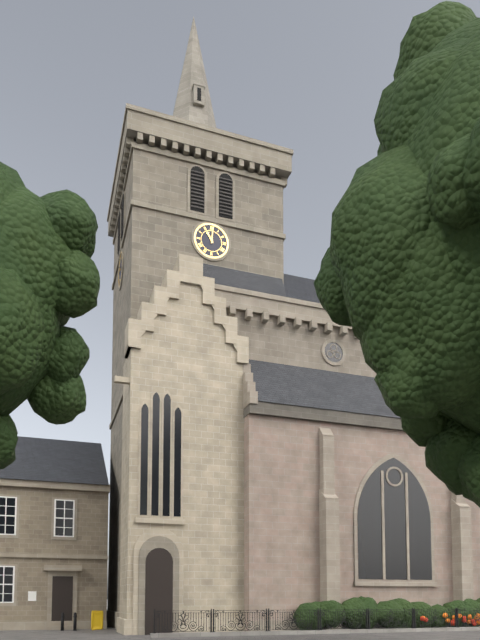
{"hour": 11, "minute": 1}
